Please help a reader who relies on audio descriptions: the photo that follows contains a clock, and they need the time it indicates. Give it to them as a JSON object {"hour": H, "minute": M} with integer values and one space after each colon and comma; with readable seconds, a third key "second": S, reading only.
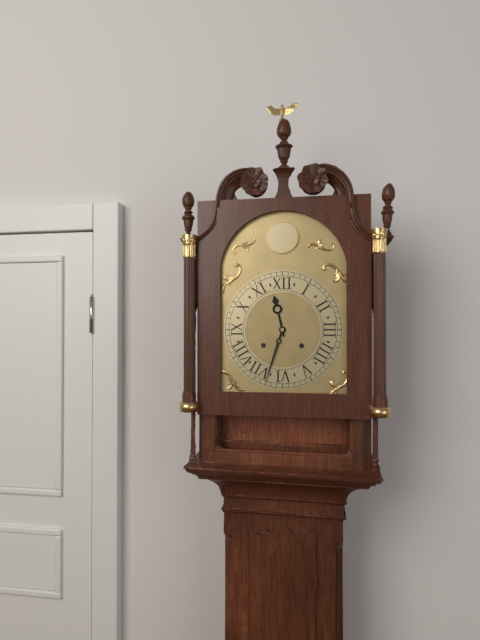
{"hour": 11, "minute": 33}
